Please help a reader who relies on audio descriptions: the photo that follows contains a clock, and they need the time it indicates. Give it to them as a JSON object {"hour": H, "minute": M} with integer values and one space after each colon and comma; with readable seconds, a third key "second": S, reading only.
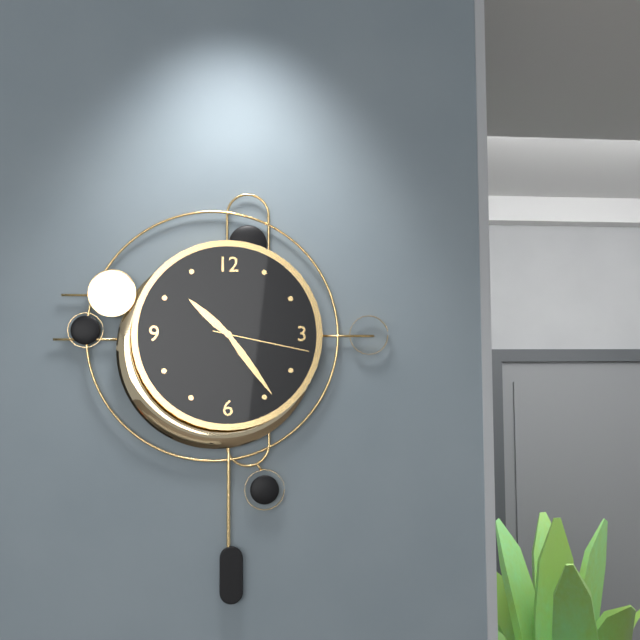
{"hour": 10, "minute": 24, "second": 17}
